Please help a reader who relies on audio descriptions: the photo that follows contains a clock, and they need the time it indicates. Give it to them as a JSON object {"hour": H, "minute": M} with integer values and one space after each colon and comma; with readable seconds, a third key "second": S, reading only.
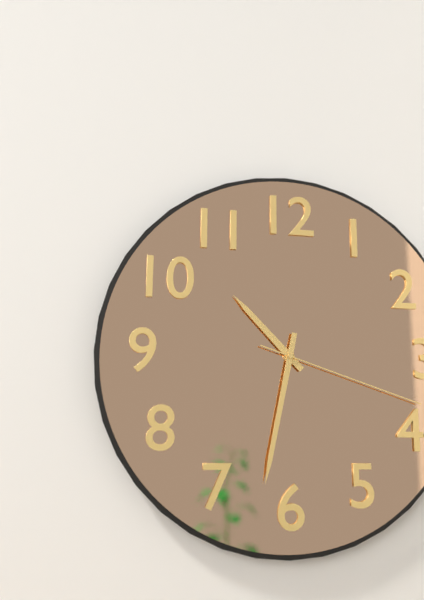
{"hour": 10, "minute": 32, "second": 18}
